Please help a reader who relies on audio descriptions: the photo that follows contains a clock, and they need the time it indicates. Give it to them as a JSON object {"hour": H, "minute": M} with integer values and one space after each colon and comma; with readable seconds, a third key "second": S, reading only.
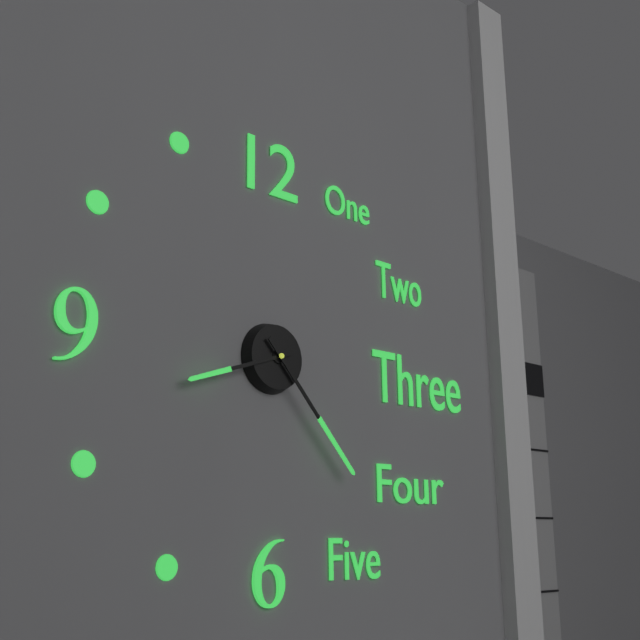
{"hour": 8, "minute": 23}
